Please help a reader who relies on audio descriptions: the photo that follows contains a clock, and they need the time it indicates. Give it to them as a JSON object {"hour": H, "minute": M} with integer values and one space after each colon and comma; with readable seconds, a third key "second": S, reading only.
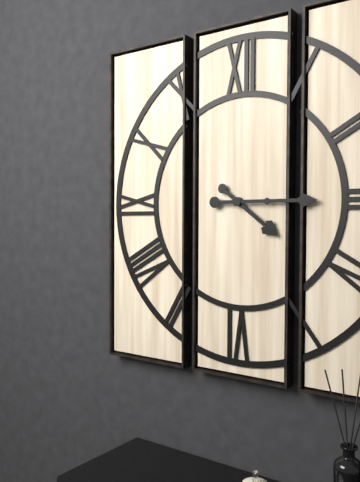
{"hour": 4, "minute": 15}
